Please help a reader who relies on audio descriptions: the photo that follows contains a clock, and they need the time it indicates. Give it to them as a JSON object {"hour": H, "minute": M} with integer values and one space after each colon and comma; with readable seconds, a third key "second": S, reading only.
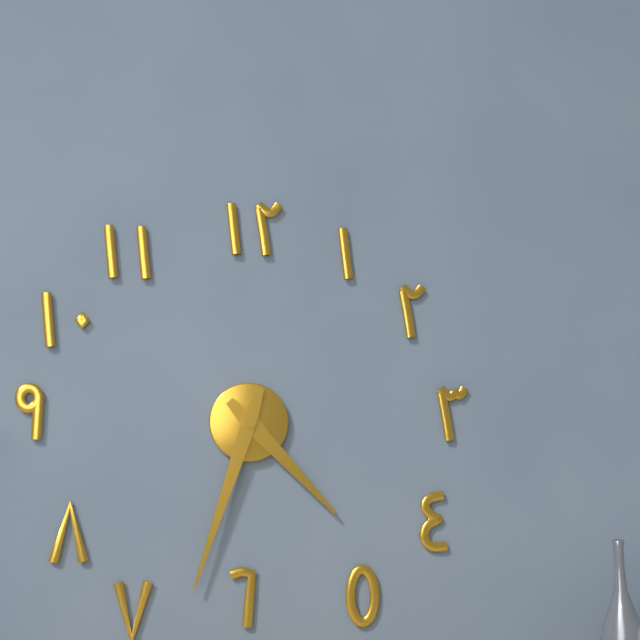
{"hour": 4, "minute": 33}
